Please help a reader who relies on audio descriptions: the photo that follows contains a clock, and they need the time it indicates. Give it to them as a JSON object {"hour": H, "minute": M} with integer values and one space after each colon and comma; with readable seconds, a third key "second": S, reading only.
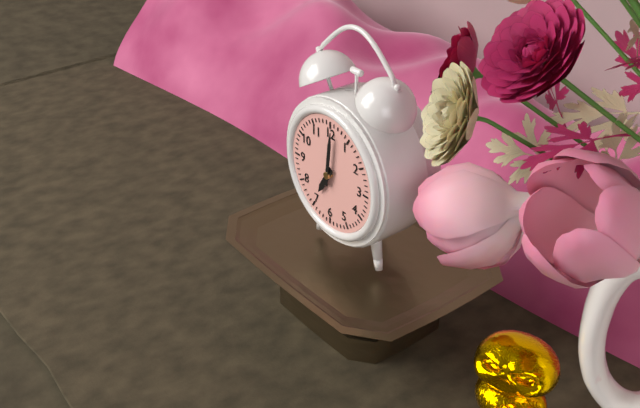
{"hour": 7, "minute": 1}
